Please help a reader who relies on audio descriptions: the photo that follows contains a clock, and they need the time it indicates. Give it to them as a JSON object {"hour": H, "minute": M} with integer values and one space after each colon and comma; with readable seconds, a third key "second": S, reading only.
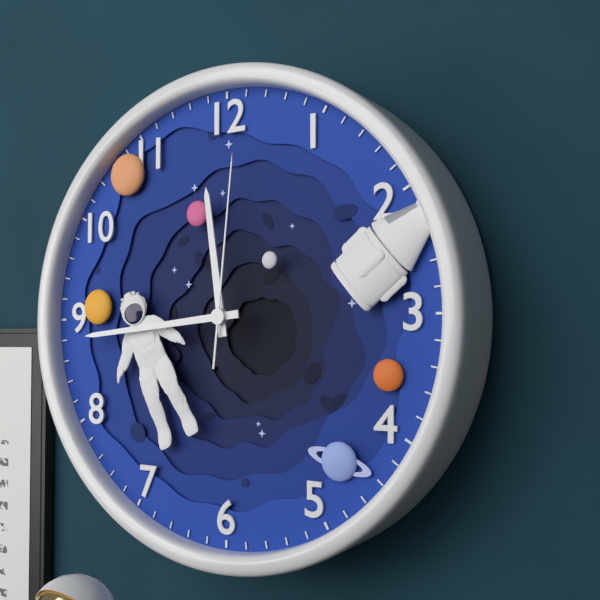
{"hour": 11, "minute": 44, "second": 1}
